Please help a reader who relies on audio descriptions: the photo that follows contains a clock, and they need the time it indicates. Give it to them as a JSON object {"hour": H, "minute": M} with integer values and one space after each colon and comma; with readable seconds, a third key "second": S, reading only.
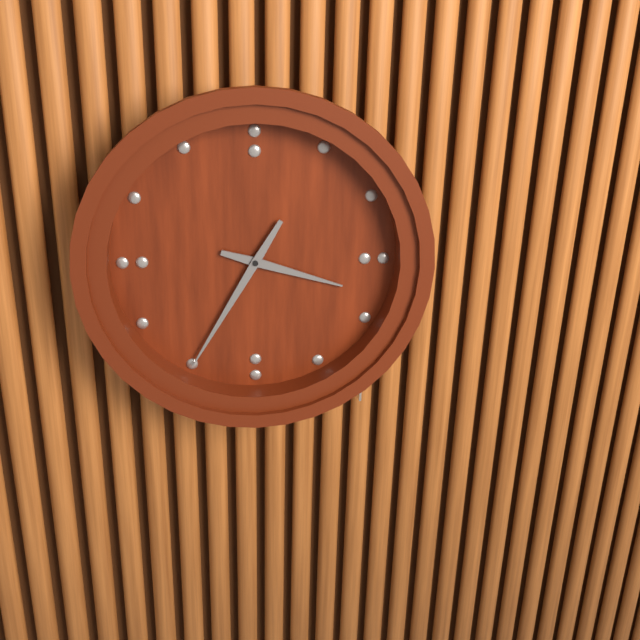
{"hour": 3, "minute": 35}
